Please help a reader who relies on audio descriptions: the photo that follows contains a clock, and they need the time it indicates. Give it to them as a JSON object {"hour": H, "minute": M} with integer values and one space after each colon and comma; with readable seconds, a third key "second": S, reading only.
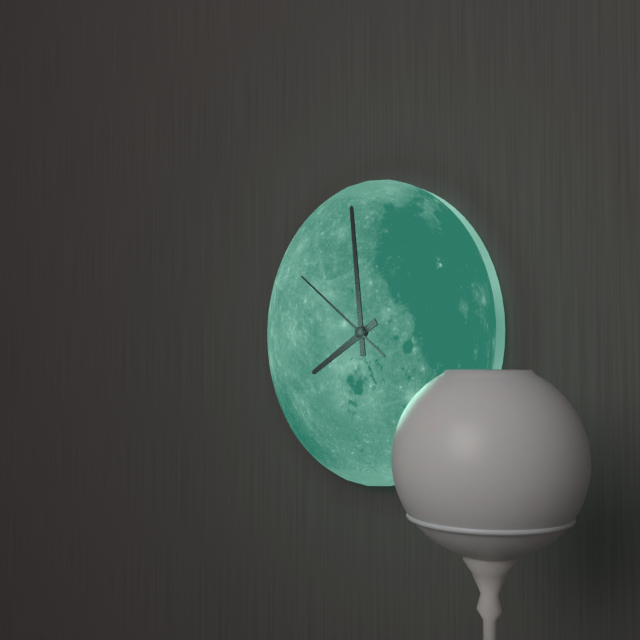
{"hour": 7, "minute": 59, "second": 51}
